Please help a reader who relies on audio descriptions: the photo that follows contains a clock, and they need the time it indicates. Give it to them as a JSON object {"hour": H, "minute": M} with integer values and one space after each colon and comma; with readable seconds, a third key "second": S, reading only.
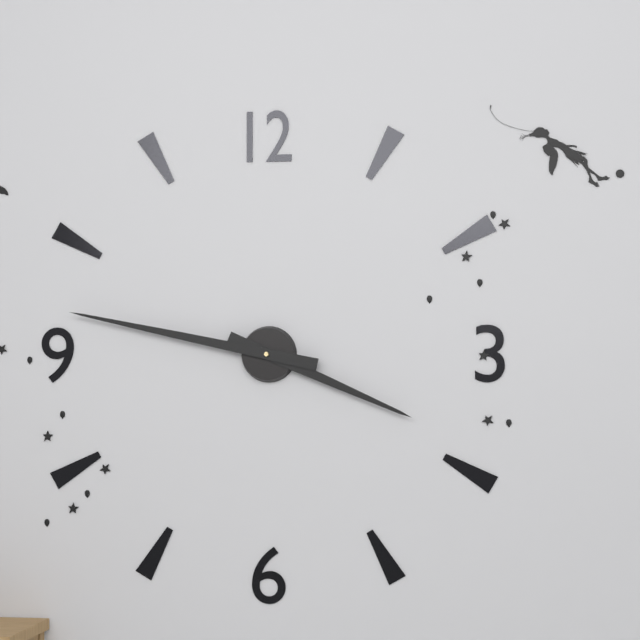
{"hour": 3, "minute": 47}
